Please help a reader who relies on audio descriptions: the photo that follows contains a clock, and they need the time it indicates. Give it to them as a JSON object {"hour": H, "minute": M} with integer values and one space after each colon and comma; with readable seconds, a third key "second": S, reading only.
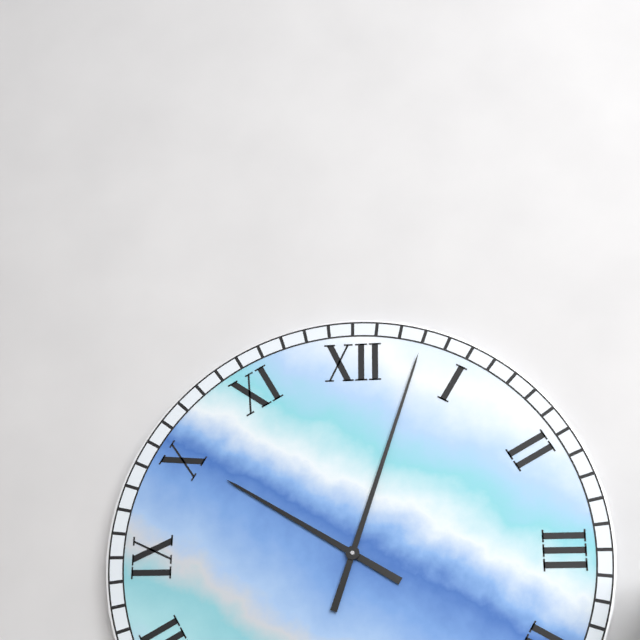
{"hour": 10, "minute": 3}
